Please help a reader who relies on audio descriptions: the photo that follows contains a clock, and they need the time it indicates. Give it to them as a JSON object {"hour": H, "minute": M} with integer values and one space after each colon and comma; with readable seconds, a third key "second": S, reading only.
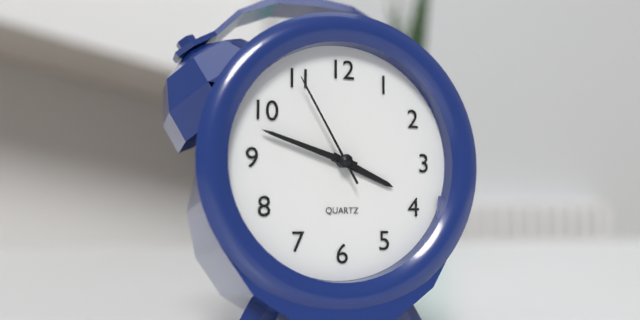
{"hour": 3, "minute": 48, "second": 55}
